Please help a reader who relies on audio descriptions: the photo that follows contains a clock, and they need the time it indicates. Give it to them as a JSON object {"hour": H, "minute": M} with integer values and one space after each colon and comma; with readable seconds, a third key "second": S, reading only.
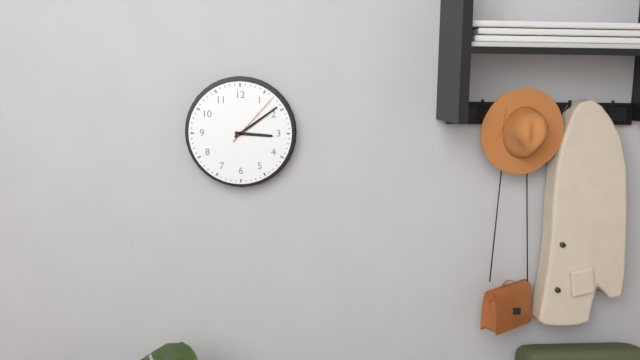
{"hour": 3, "minute": 9, "second": 7}
